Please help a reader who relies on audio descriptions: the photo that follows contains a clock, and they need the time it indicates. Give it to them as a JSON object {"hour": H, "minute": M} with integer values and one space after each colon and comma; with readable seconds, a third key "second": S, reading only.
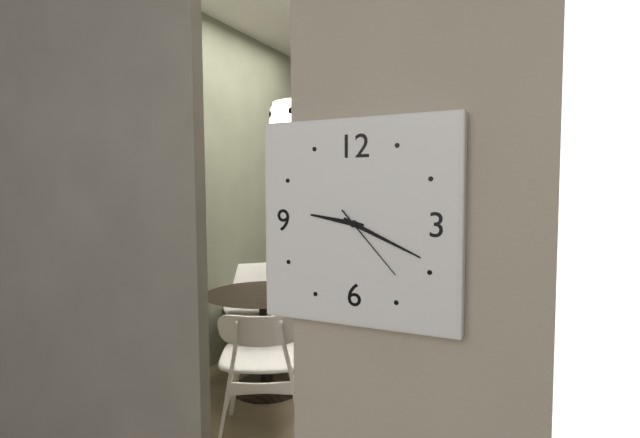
{"hour": 9, "minute": 19, "second": 23}
